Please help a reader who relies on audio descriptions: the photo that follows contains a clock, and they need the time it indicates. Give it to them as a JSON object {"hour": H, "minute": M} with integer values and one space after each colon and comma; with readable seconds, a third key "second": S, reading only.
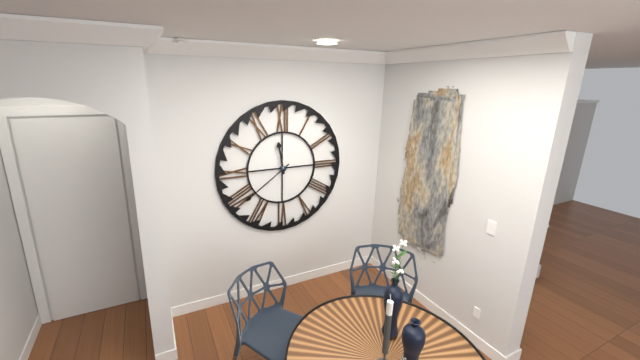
{"hour": 11, "minute": 39}
